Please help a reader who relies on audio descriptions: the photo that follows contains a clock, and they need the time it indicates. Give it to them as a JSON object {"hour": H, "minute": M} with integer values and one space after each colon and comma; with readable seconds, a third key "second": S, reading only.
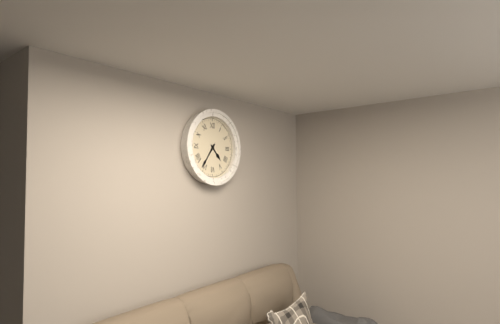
{"hour": 4, "minute": 36}
